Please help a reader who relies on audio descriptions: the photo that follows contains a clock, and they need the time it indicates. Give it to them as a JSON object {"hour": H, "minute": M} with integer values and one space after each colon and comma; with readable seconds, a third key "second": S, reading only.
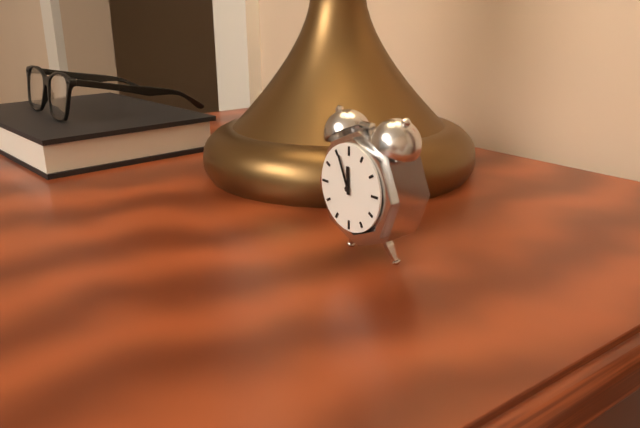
{"hour": 11, "minute": 56}
